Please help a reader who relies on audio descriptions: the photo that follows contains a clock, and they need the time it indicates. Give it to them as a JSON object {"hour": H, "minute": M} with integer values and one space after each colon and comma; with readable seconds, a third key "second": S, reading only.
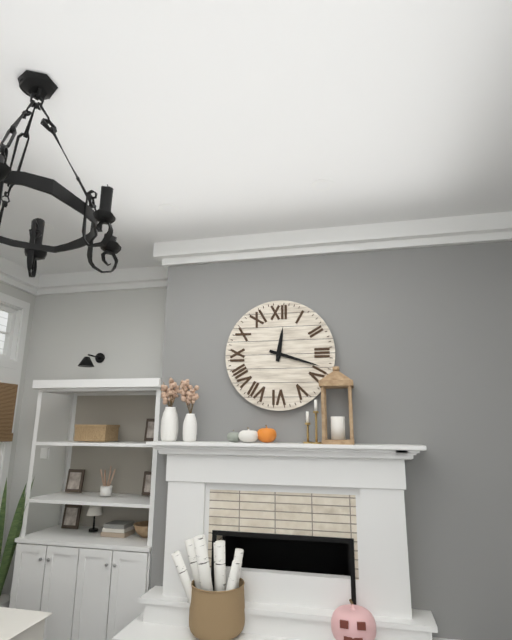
{"hour": 12, "minute": 18}
